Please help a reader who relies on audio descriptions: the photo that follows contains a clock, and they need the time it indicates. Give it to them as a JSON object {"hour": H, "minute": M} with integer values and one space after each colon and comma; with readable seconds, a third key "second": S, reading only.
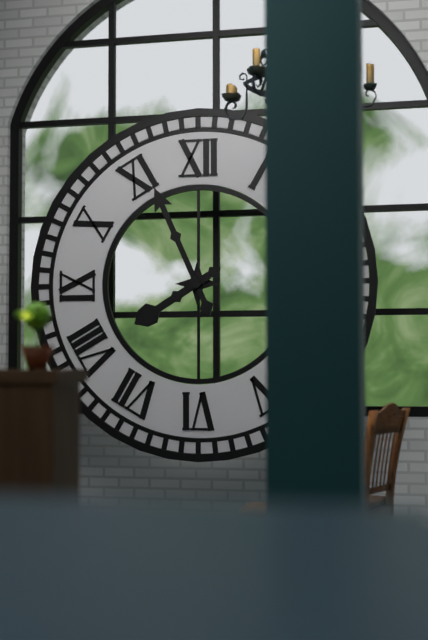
{"hour": 7, "minute": 56}
